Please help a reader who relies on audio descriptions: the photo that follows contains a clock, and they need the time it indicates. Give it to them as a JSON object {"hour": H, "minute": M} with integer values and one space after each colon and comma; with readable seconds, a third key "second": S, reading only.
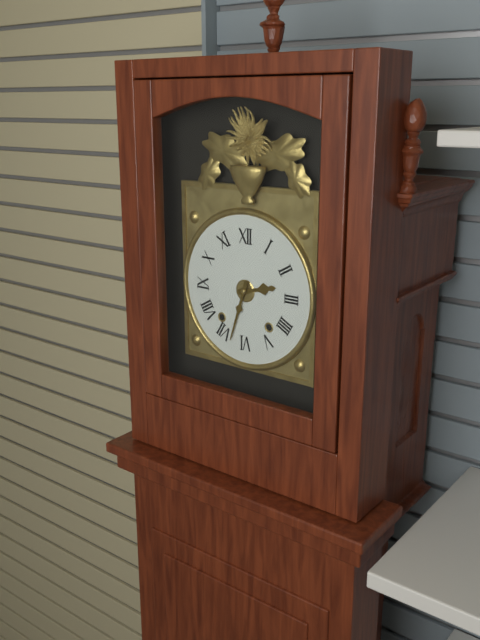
{"hour": 2, "minute": 33}
